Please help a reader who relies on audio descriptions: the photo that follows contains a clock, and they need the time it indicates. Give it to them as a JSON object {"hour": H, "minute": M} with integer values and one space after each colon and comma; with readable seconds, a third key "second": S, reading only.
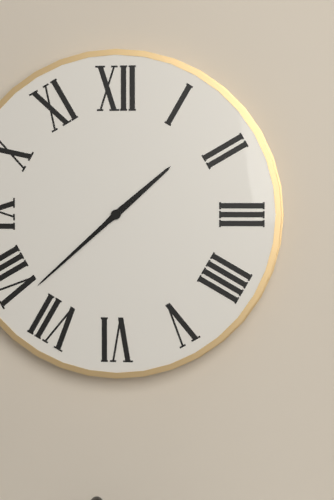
{"hour": 1, "minute": 38}
